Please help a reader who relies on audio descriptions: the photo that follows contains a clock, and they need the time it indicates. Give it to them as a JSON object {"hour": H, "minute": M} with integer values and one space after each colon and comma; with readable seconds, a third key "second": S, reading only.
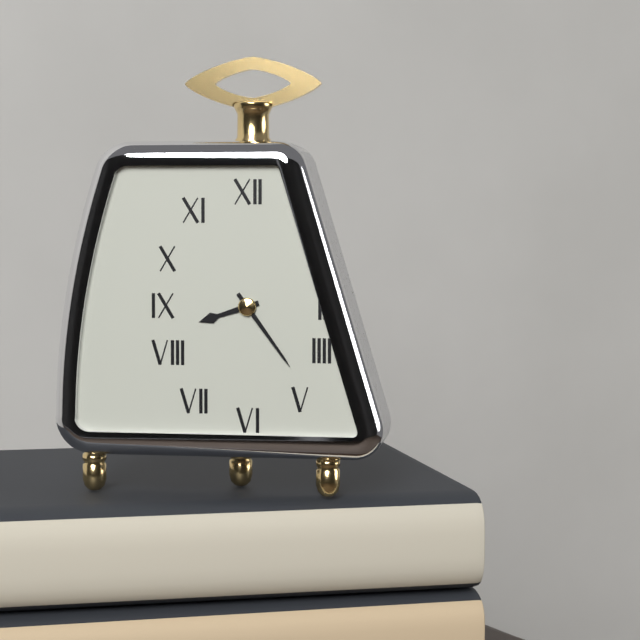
{"hour": 8, "minute": 24}
